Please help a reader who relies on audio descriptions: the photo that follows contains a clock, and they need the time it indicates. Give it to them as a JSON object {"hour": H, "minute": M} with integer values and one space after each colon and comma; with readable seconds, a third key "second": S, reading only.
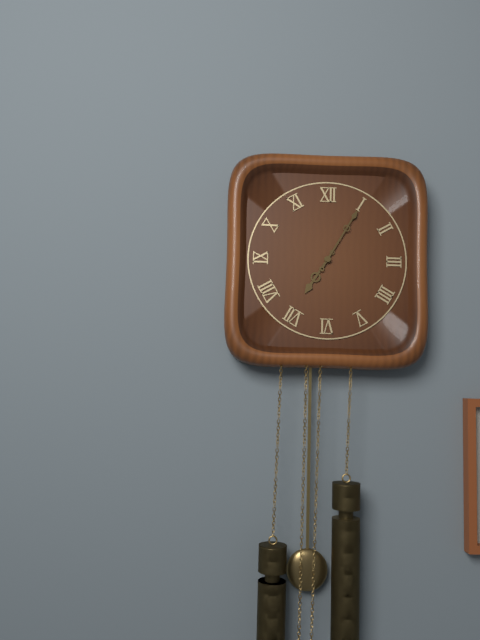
{"hour": 7, "minute": 5}
